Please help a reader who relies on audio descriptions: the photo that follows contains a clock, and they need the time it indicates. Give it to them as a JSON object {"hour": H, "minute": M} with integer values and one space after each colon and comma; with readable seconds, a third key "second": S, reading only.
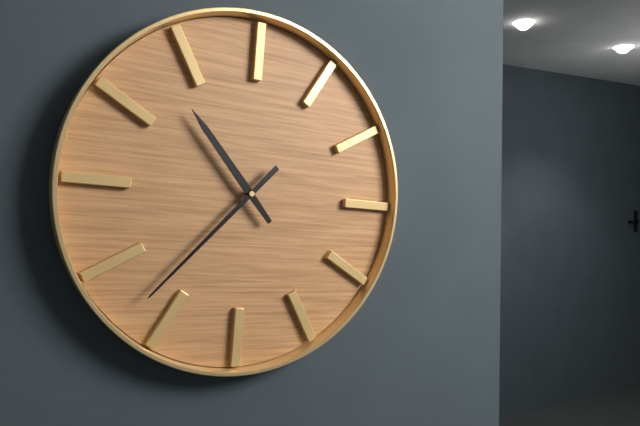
{"hour": 10, "minute": 37}
